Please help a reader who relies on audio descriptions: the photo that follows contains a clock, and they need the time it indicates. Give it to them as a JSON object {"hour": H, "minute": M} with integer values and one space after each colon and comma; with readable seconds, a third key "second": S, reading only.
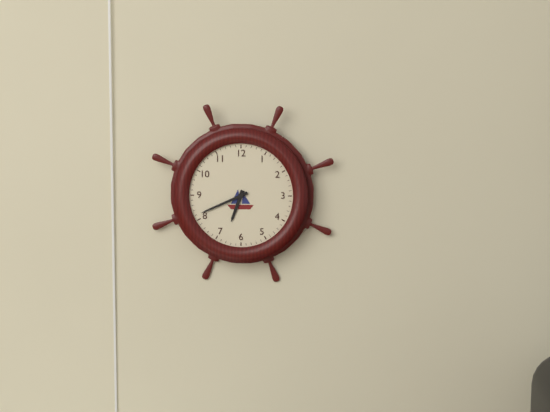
{"hour": 6, "minute": 41}
